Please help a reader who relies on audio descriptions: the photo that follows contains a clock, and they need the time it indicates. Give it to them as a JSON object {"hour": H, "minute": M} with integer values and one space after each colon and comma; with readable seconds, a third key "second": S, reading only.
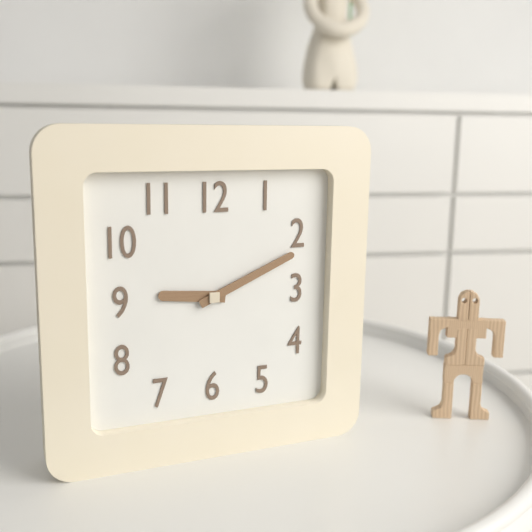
{"hour": 9, "minute": 11}
